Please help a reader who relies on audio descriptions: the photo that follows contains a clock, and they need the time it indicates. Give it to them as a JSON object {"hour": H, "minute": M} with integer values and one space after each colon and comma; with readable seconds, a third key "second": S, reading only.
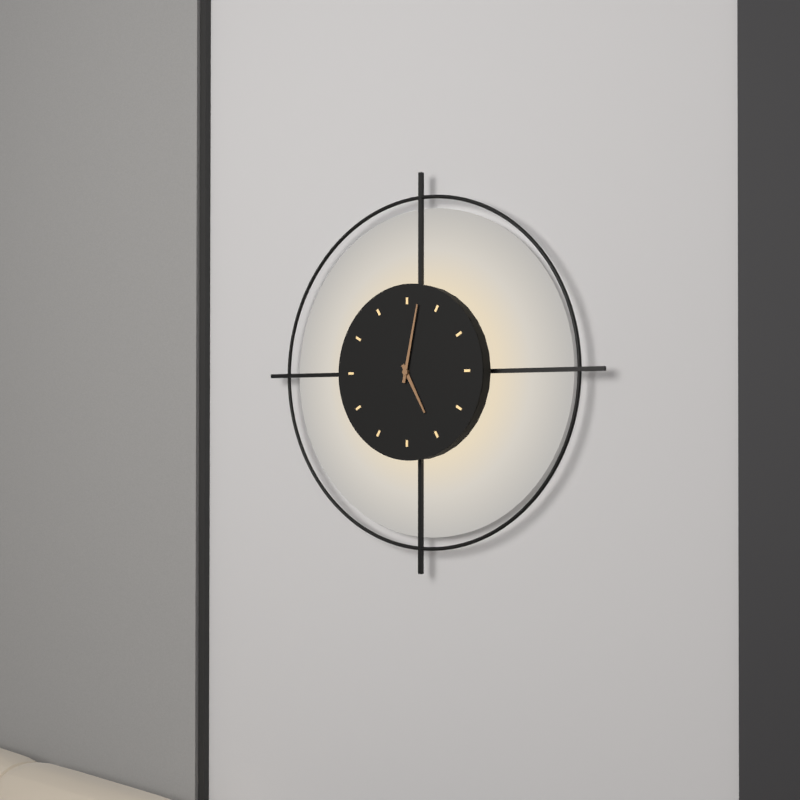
{"hour": 5, "minute": 2}
